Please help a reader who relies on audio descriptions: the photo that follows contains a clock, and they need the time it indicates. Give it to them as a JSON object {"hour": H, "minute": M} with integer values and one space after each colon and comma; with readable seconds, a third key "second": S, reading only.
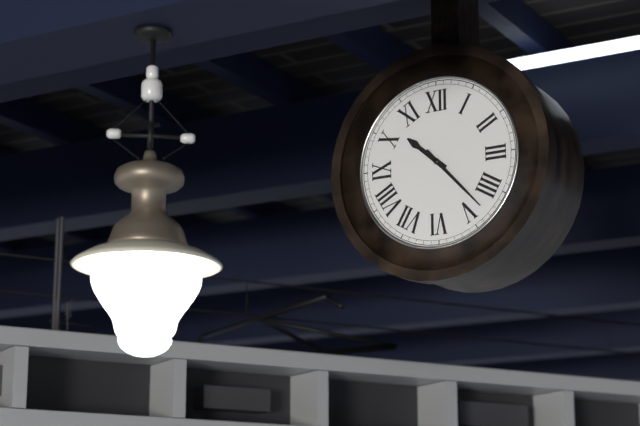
{"hour": 10, "minute": 23}
